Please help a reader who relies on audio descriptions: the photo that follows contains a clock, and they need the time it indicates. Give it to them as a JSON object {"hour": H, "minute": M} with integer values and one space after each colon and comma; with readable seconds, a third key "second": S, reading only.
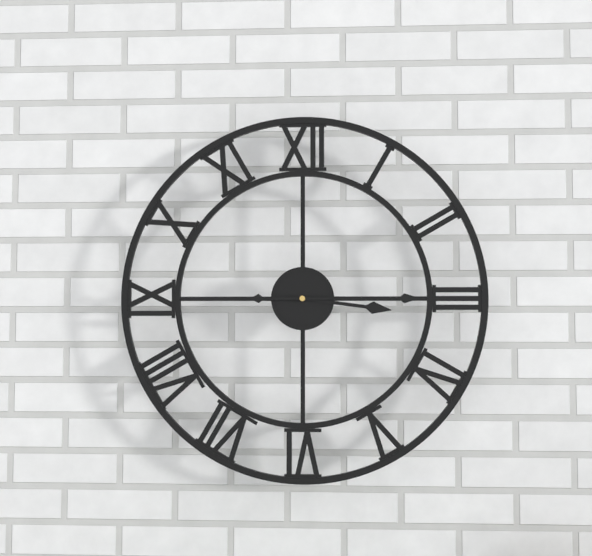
{"hour": 3, "minute": 15}
